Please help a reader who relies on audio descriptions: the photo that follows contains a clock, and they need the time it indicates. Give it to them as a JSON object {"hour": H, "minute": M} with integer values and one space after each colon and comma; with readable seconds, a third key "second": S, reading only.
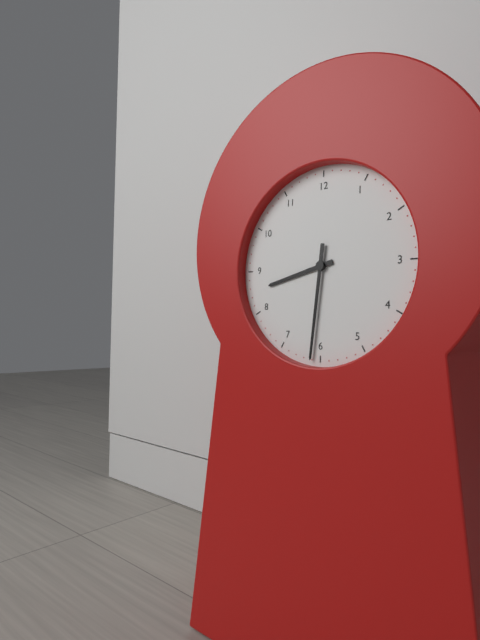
{"hour": 8, "minute": 31}
